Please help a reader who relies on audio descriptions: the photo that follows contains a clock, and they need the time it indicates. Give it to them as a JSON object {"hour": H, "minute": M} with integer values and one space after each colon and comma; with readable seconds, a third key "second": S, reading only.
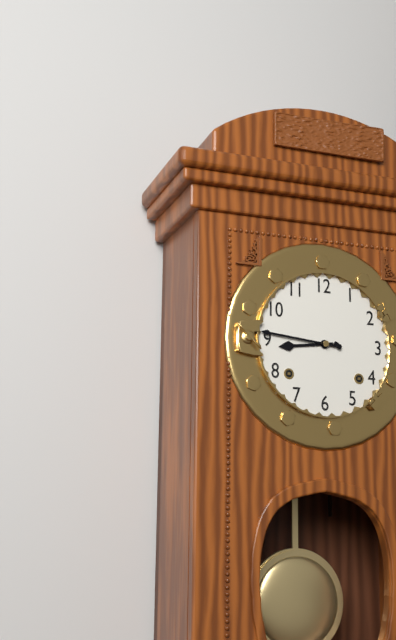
{"hour": 8, "minute": 46}
